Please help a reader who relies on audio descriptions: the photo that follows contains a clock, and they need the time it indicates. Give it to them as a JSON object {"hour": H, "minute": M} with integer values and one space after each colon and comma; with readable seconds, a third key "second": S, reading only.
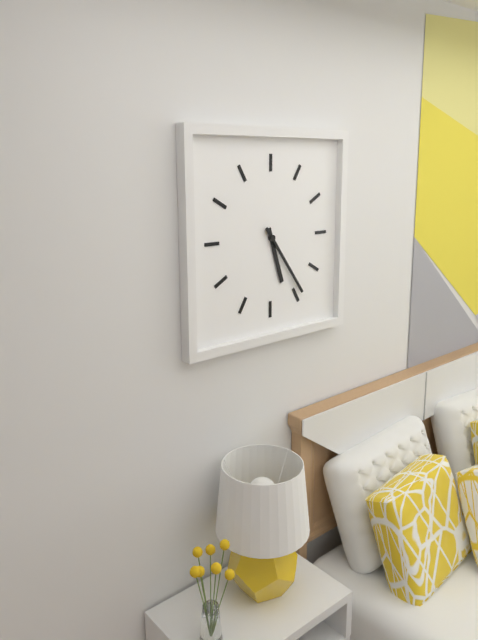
{"hour": 5, "minute": 24}
